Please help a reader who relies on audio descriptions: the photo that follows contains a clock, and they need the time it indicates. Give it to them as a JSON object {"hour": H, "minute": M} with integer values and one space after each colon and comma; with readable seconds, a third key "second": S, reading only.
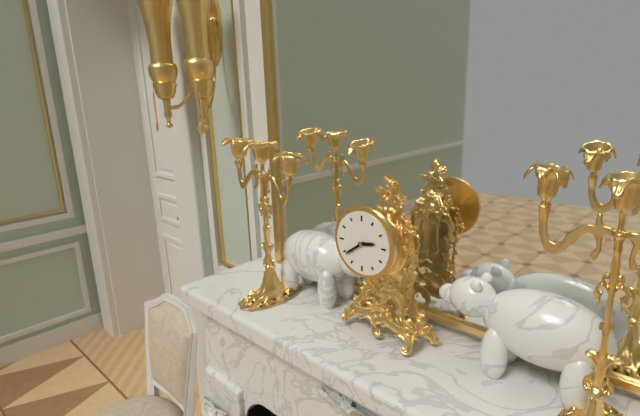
{"hour": 2, "minute": 39}
